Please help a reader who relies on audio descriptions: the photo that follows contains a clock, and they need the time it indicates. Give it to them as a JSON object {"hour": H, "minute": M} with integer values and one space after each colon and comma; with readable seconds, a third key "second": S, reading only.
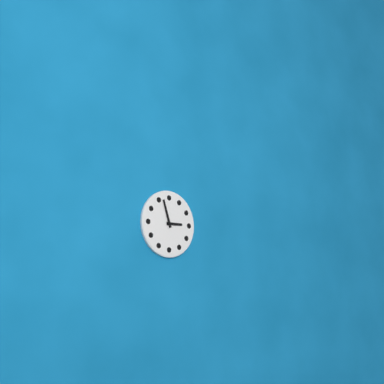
{"hour": 2, "minute": 57}
